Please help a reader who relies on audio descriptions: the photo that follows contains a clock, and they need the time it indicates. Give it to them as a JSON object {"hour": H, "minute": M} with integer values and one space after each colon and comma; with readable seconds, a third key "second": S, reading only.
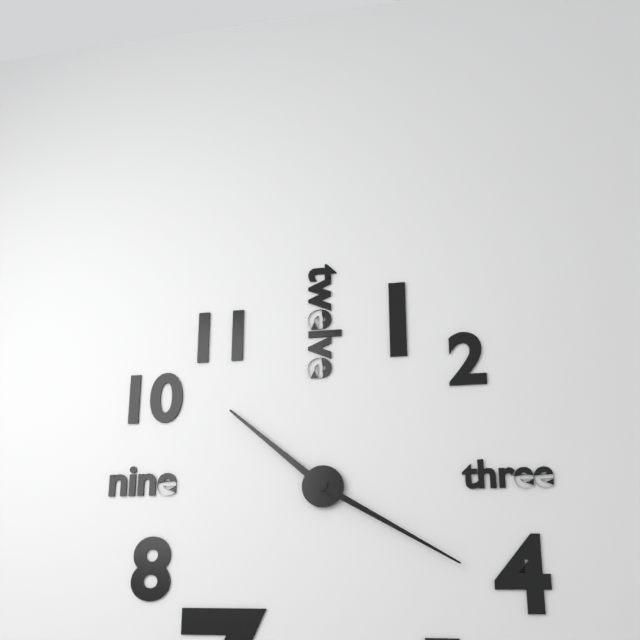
{"hour": 10, "minute": 20}
